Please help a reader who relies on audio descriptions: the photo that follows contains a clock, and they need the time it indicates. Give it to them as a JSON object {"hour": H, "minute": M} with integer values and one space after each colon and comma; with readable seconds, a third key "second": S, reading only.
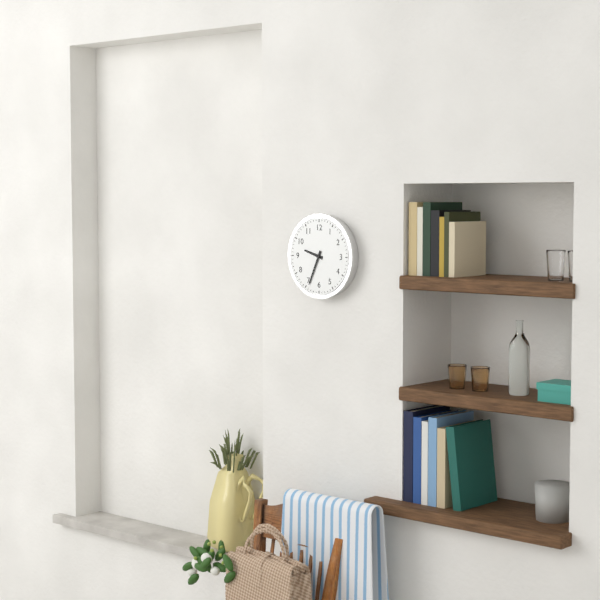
{"hour": 9, "minute": 34}
